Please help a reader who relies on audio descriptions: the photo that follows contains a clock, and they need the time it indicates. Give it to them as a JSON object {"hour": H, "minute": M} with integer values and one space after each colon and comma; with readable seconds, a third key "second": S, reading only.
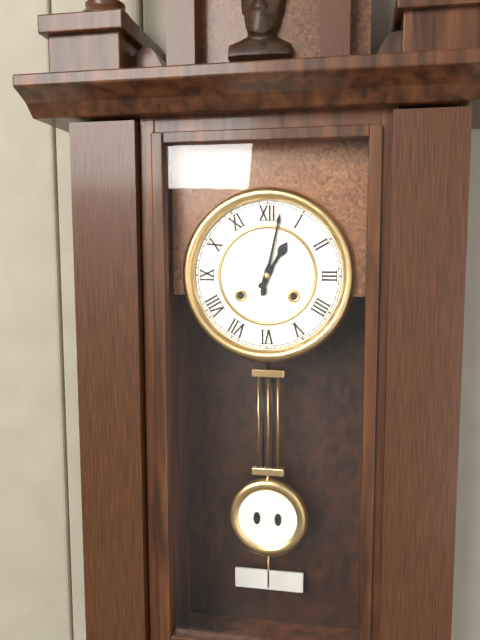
{"hour": 1, "minute": 2}
